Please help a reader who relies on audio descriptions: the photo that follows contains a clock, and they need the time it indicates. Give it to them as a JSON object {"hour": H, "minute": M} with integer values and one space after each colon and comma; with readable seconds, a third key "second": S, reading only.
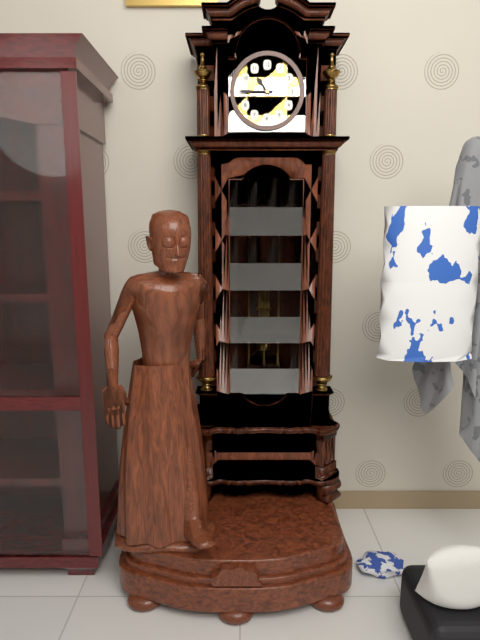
{"hour": 10, "minute": 45}
